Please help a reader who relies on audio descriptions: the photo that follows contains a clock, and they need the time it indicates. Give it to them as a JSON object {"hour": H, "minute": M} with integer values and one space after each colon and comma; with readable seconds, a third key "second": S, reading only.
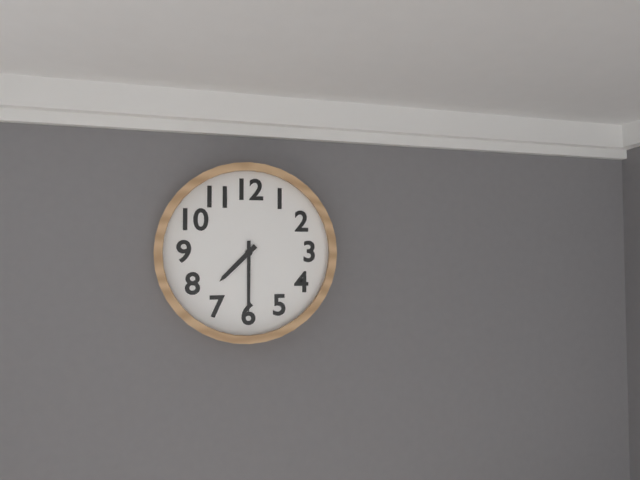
{"hour": 7, "minute": 30}
